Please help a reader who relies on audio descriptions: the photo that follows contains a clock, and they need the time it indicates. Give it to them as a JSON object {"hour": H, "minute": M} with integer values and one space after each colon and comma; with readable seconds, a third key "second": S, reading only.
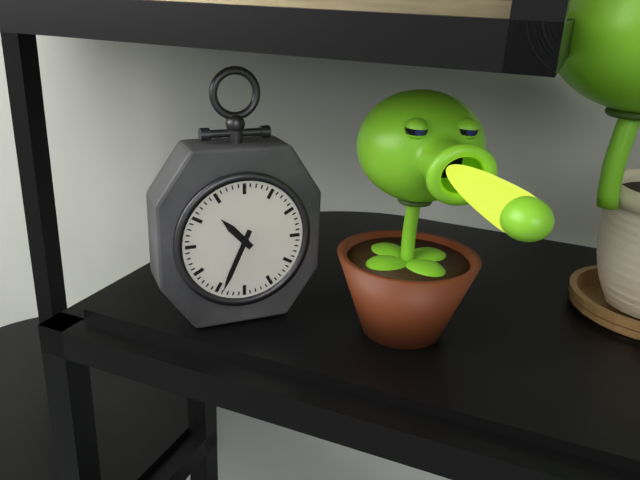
{"hour": 10, "minute": 34}
